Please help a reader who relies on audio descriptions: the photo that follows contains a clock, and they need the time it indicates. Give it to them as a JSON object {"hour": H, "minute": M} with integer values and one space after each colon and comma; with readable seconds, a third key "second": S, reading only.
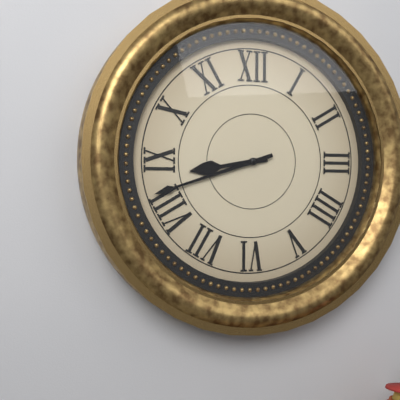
{"hour": 8, "minute": 42}
